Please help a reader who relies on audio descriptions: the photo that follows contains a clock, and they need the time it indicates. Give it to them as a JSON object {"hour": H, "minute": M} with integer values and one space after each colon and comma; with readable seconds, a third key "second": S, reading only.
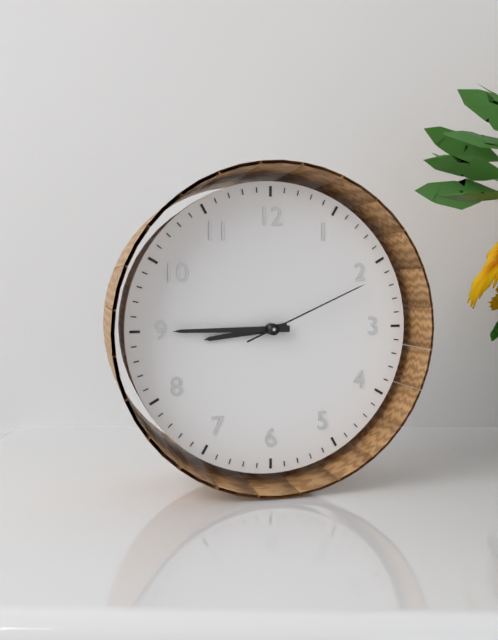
{"hour": 8, "minute": 45, "second": 11}
